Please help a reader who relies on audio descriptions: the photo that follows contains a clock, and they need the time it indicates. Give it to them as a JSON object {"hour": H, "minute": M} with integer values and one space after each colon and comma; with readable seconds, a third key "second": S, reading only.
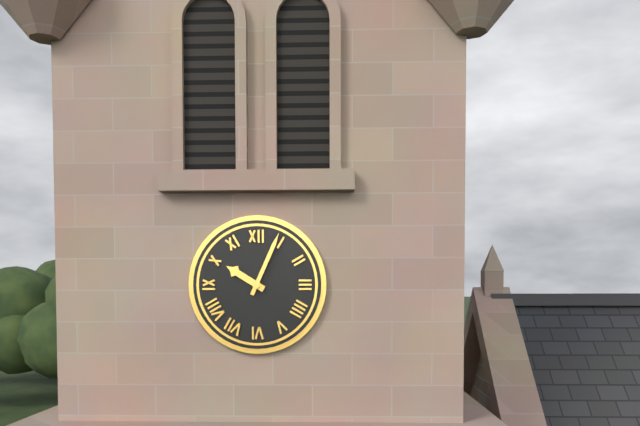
{"hour": 10, "minute": 4}
